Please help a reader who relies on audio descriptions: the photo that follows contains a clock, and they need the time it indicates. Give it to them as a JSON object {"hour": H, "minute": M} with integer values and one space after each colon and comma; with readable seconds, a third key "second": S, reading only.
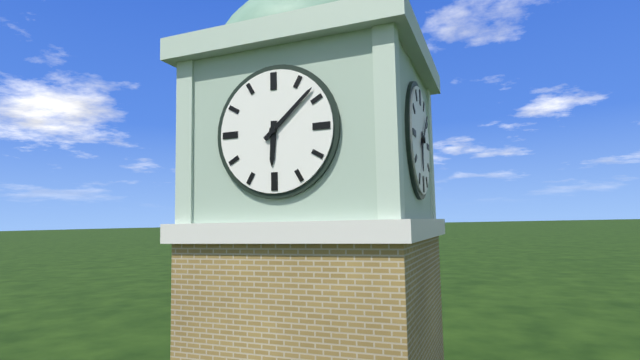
{"hour": 6, "minute": 8}
